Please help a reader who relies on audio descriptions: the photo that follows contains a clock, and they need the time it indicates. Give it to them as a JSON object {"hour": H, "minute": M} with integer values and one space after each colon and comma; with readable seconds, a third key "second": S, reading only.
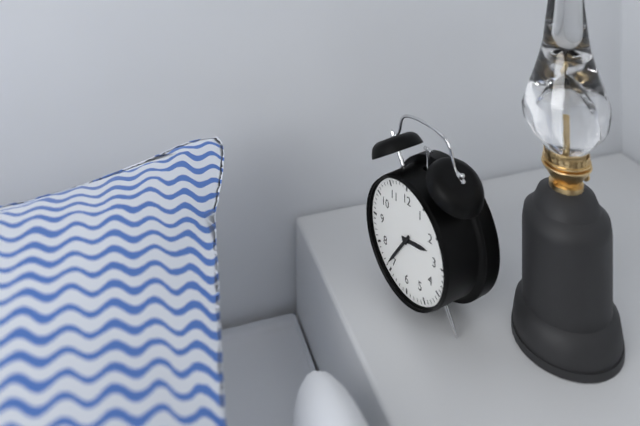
{"hour": 2, "minute": 36}
